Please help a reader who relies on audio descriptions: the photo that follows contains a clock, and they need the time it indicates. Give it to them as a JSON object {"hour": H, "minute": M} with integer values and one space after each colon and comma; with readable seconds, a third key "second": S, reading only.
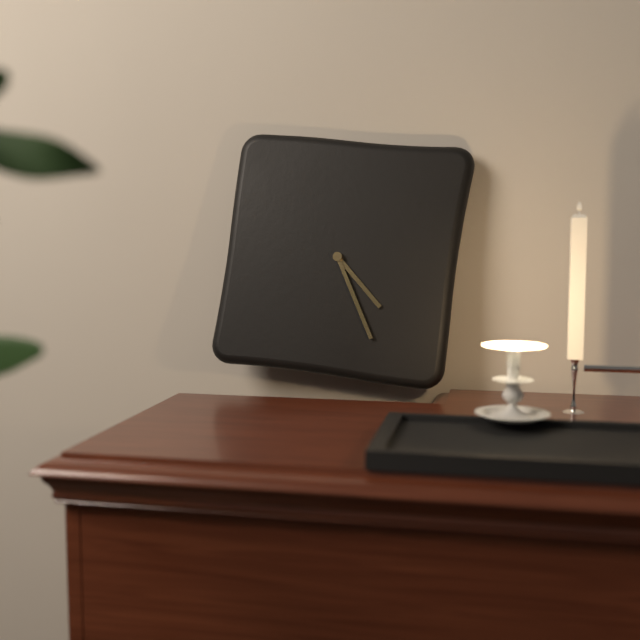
{"hour": 4, "minute": 25}
